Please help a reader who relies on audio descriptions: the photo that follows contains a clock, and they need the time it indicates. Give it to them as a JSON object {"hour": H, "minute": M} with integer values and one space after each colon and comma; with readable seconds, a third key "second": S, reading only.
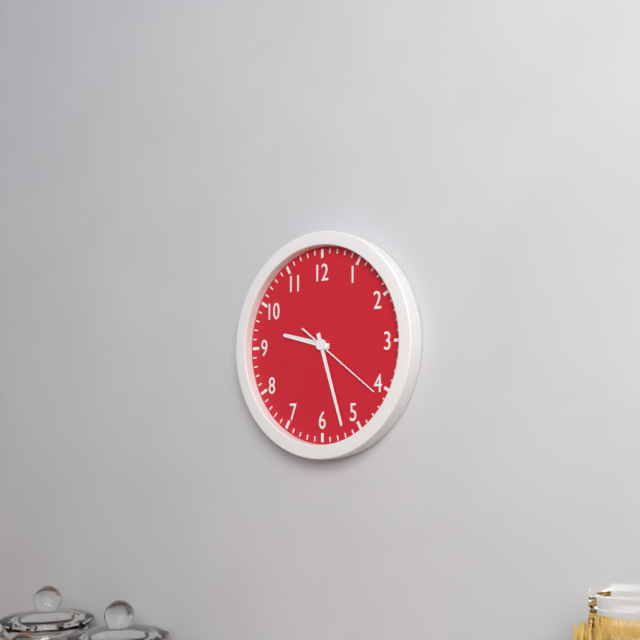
{"hour": 9, "minute": 27, "second": 21}
